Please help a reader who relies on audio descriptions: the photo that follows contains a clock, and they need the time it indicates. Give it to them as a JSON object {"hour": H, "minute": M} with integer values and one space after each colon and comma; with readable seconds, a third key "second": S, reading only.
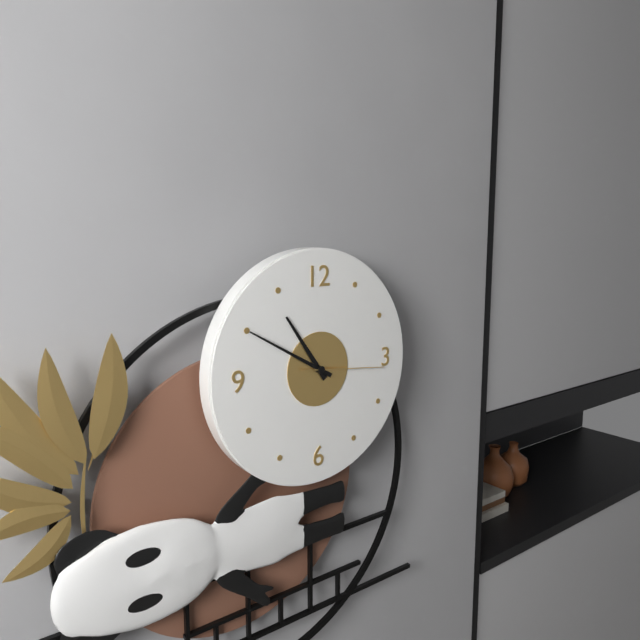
{"hour": 10, "minute": 50, "second": 16}
